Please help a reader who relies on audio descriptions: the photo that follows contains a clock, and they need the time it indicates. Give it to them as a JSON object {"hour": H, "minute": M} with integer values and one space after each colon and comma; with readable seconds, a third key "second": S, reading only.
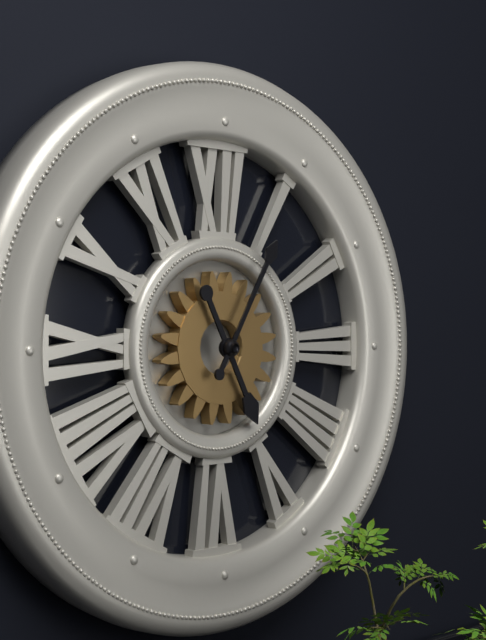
{"hour": 5, "minute": 5}
